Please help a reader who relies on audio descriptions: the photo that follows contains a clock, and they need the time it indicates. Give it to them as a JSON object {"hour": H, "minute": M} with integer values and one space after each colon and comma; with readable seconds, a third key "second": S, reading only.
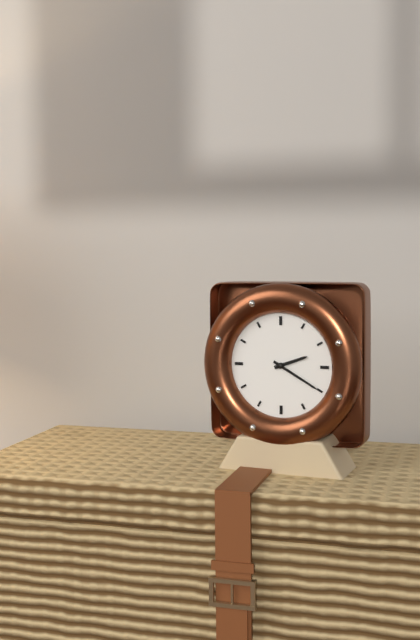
{"hour": 2, "minute": 20}
